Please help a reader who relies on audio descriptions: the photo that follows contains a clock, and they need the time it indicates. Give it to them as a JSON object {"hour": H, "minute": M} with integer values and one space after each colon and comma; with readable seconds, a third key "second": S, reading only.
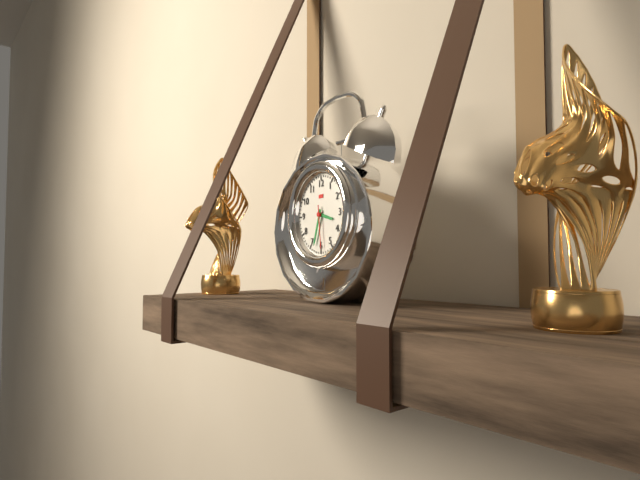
{"hour": 3, "minute": 33}
